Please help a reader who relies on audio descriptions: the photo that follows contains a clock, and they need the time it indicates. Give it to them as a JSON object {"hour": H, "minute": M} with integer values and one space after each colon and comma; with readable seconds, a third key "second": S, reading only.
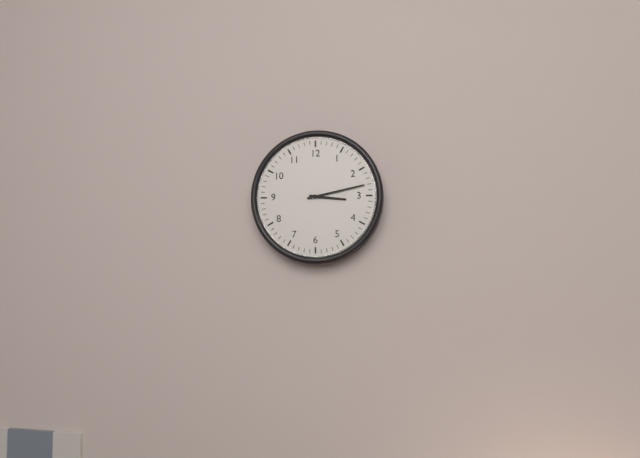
{"hour": 3, "minute": 13}
